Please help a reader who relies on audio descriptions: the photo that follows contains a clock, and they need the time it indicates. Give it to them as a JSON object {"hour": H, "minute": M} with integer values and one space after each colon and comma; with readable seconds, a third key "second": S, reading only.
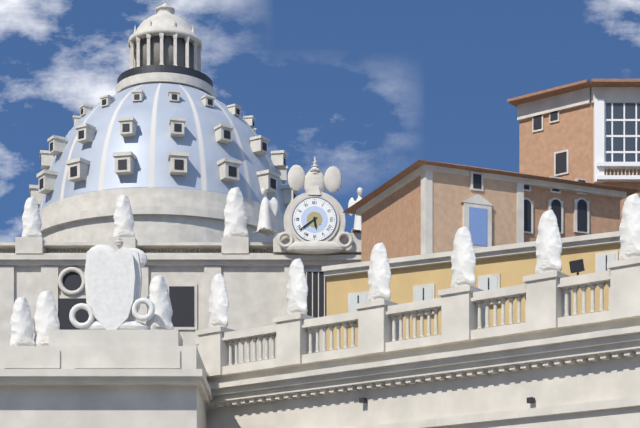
{"hour": 5, "minute": 39}
